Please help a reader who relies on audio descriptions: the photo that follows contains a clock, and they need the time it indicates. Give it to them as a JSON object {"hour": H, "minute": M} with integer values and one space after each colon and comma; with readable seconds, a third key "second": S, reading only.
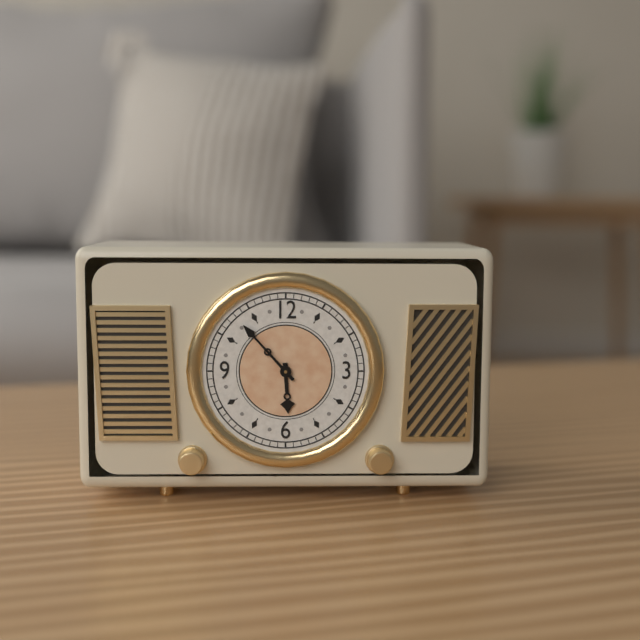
{"hour": 5, "minute": 53}
